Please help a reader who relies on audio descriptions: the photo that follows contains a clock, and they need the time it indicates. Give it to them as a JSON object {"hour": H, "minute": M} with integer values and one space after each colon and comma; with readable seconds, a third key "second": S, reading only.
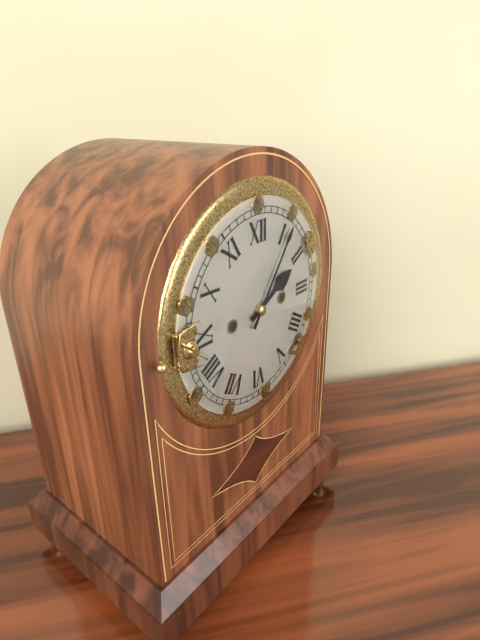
{"hour": 2, "minute": 6}
